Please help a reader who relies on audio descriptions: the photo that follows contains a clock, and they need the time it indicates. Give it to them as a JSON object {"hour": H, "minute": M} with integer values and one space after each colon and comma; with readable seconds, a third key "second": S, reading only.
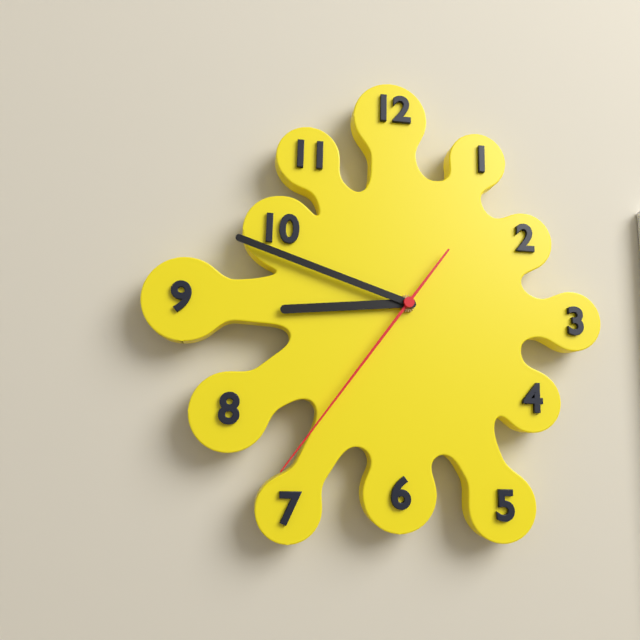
{"hour": 8, "minute": 48, "second": 36}
